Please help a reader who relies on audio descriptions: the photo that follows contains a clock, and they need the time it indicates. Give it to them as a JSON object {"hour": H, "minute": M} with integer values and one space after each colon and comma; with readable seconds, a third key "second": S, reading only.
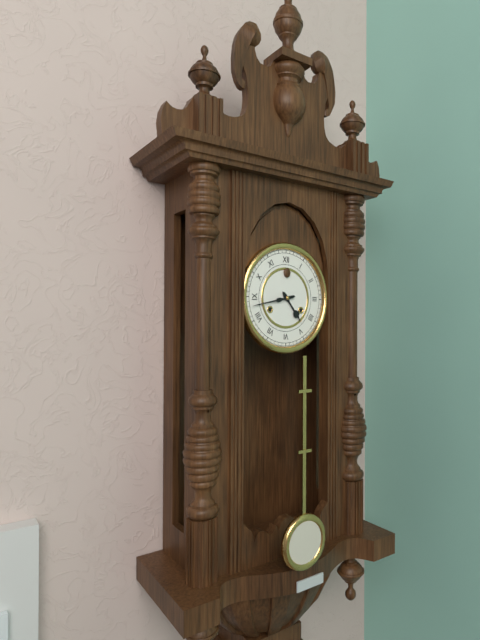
{"hour": 4, "minute": 43}
